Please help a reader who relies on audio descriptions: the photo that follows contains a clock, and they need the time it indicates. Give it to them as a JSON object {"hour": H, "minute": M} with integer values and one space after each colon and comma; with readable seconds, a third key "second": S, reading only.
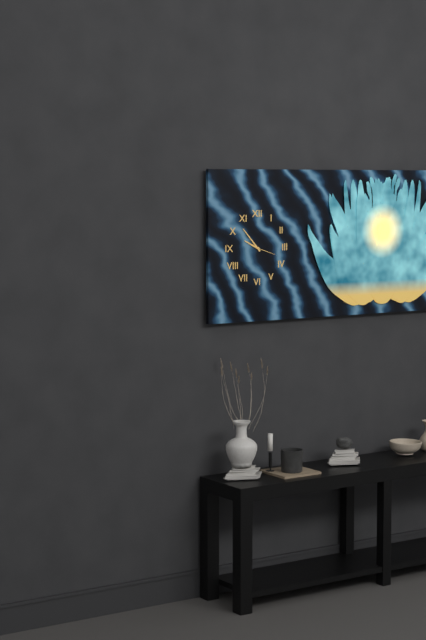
{"hour": 9, "minute": 53}
